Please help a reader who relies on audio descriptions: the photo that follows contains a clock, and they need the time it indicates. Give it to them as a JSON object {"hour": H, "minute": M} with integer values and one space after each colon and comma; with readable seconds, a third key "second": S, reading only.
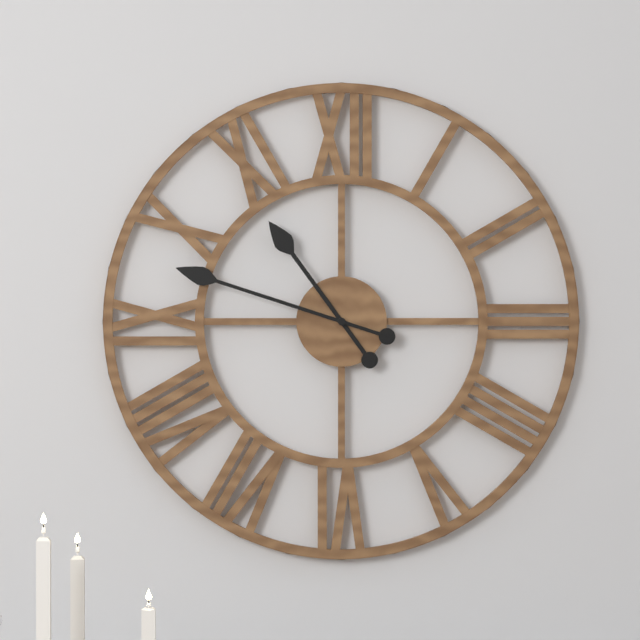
{"hour": 10, "minute": 48}
